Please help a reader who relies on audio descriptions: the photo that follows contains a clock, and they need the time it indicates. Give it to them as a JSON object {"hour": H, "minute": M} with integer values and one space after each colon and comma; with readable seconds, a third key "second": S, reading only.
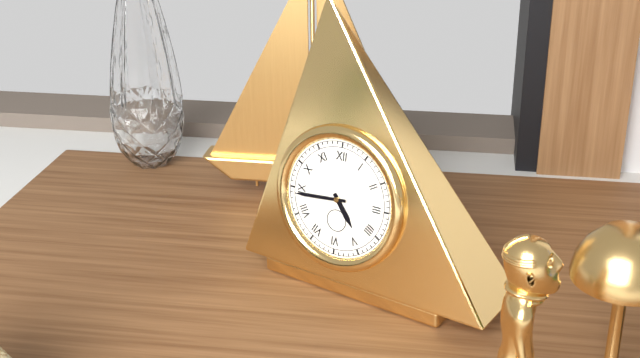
{"hour": 4, "minute": 44}
